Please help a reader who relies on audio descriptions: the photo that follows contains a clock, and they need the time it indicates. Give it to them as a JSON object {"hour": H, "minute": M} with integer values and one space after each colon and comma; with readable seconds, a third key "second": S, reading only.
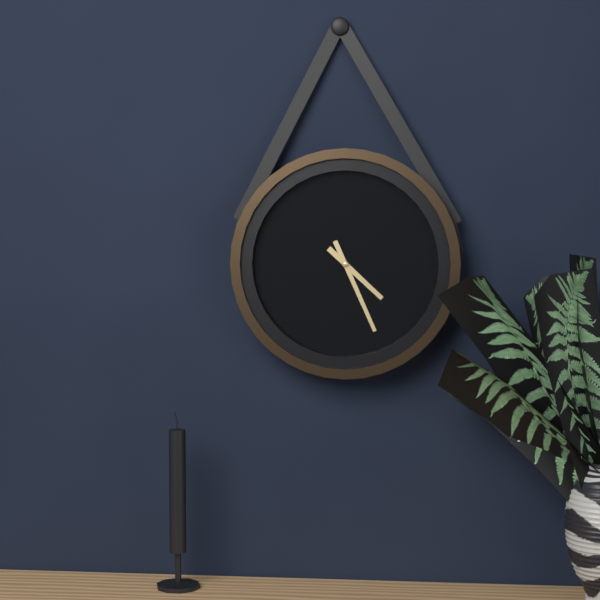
{"hour": 4, "minute": 26}
